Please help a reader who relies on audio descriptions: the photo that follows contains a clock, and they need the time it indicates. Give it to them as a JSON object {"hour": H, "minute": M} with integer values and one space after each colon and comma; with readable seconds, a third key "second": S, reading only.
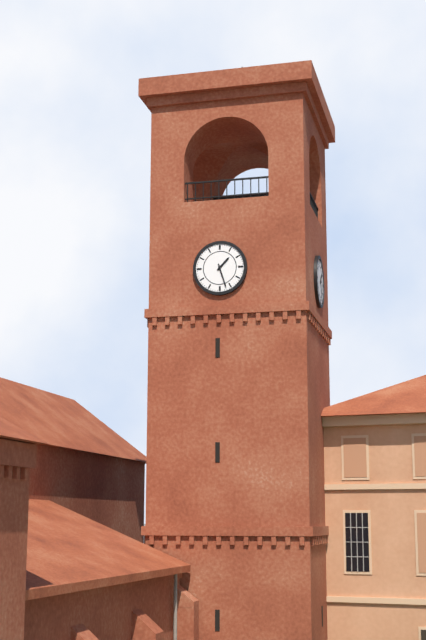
{"hour": 1, "minute": 27}
